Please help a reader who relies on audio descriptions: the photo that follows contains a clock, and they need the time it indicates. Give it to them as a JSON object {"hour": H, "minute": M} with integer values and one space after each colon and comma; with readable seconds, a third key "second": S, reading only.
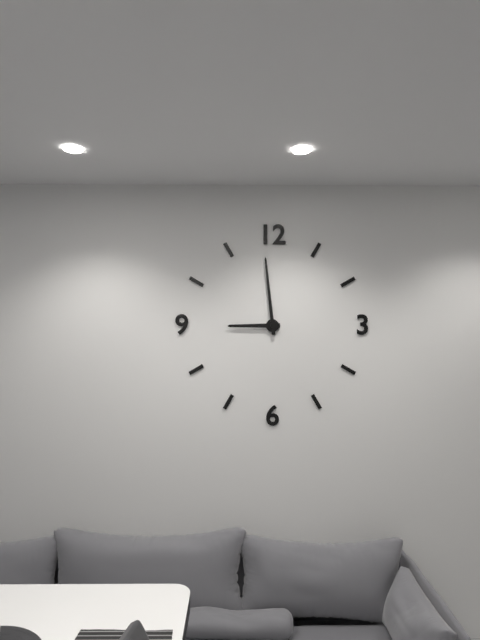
{"hour": 8, "minute": 59}
